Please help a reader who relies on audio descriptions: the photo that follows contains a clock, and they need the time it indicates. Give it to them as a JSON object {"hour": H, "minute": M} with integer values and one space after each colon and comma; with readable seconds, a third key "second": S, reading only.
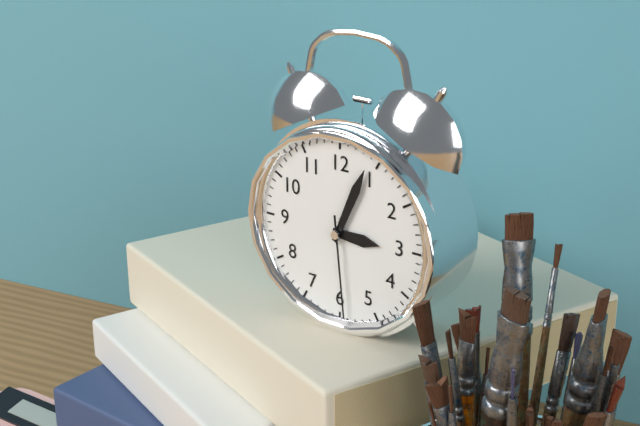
{"hour": 3, "minute": 4, "second": 29}
